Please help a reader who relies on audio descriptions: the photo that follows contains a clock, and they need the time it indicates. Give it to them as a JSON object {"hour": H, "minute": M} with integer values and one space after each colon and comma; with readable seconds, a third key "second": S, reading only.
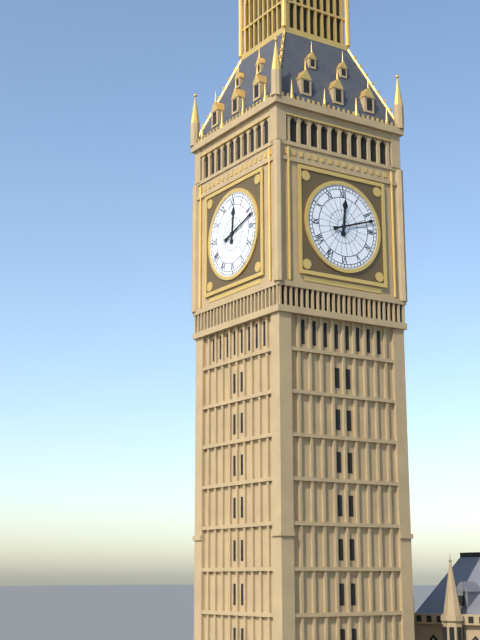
{"hour": 12, "minute": 12}
